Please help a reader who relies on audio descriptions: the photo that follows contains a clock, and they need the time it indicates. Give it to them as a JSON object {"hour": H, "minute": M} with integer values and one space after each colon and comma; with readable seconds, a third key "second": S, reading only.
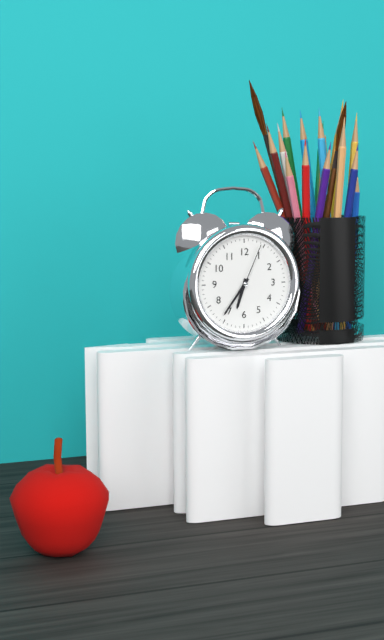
{"hour": 6, "minute": 36, "second": 4}
